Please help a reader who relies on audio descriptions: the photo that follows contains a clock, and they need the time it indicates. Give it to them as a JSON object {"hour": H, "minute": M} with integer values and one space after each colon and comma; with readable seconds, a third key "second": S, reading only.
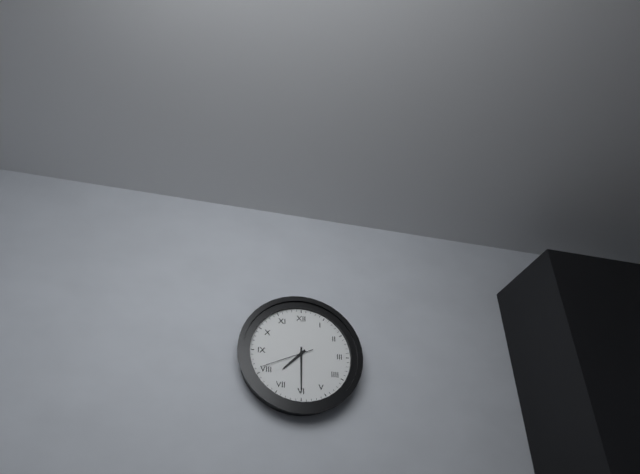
{"hour": 7, "minute": 30, "second": 41}
